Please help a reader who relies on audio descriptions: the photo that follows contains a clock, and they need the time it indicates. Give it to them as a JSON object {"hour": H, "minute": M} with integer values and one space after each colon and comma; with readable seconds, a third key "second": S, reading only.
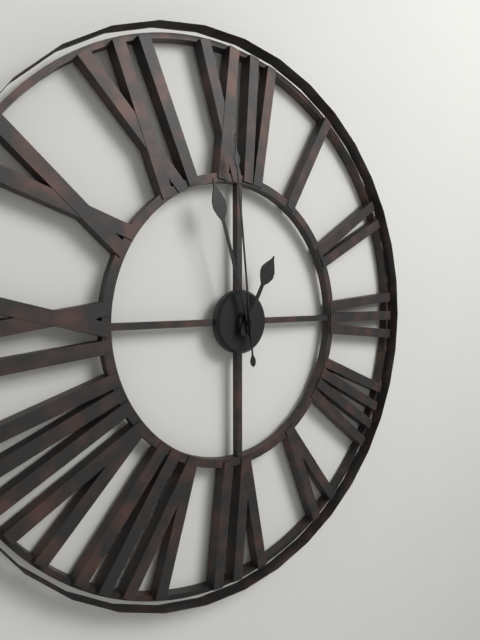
{"hour": 12, "minute": 57, "second": 59}
